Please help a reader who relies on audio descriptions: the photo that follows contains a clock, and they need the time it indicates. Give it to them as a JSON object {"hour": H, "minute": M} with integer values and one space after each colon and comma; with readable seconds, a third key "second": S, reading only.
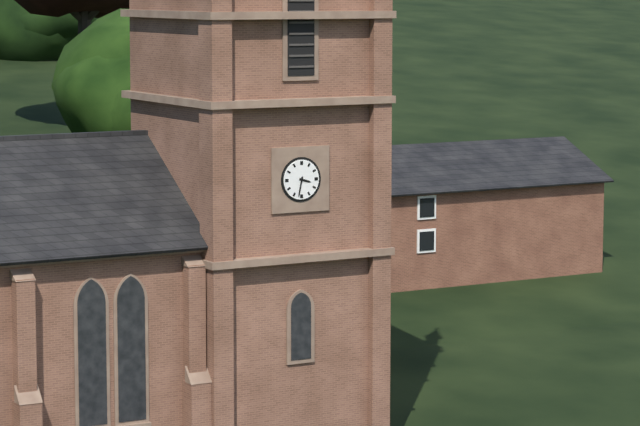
{"hour": 3, "minute": 32}
